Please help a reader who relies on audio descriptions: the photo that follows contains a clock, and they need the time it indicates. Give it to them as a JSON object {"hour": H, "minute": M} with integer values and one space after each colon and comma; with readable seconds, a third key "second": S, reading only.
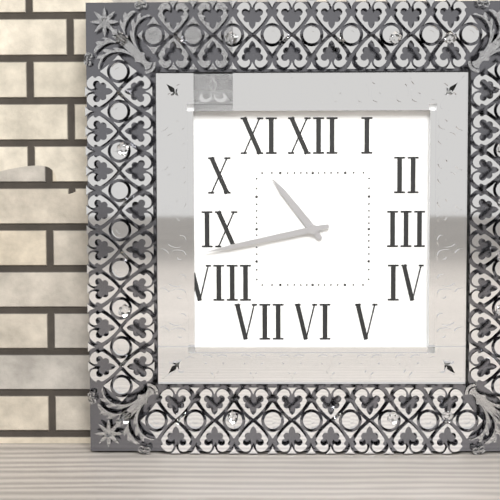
{"hour": 10, "minute": 43}
